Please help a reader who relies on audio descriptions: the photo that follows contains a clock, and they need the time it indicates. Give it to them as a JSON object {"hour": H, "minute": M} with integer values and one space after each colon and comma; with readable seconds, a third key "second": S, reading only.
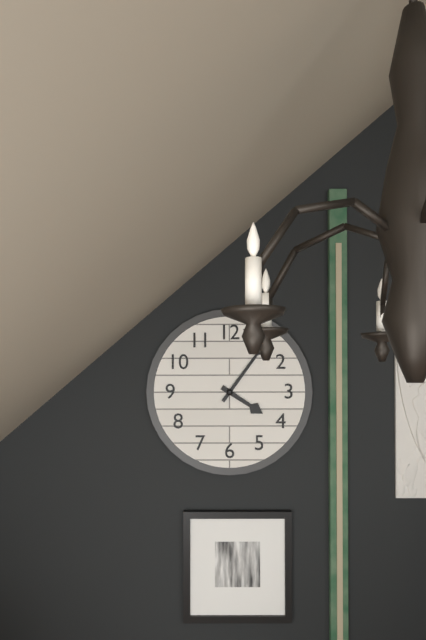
{"hour": 4, "minute": 6}
